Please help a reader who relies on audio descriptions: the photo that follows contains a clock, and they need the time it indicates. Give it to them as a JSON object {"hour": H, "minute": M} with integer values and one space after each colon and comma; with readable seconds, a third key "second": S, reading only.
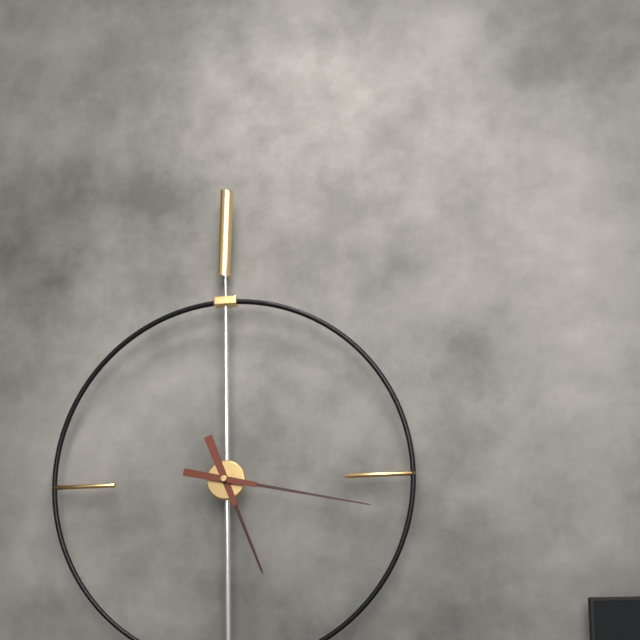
{"hour": 5, "minute": 17}
